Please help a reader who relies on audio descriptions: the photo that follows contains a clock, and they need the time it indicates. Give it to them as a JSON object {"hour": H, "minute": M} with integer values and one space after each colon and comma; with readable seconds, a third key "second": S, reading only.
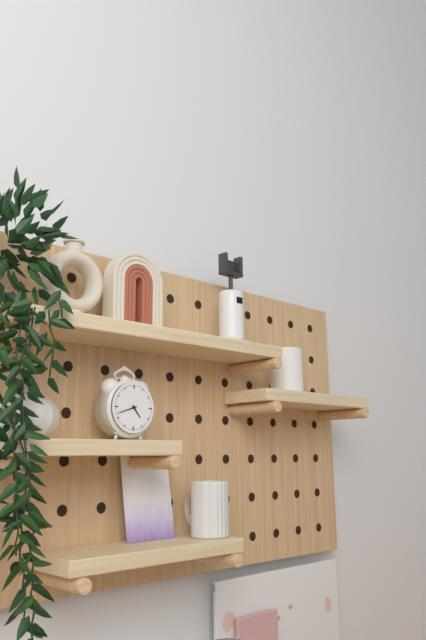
{"hour": 4, "minute": 42}
